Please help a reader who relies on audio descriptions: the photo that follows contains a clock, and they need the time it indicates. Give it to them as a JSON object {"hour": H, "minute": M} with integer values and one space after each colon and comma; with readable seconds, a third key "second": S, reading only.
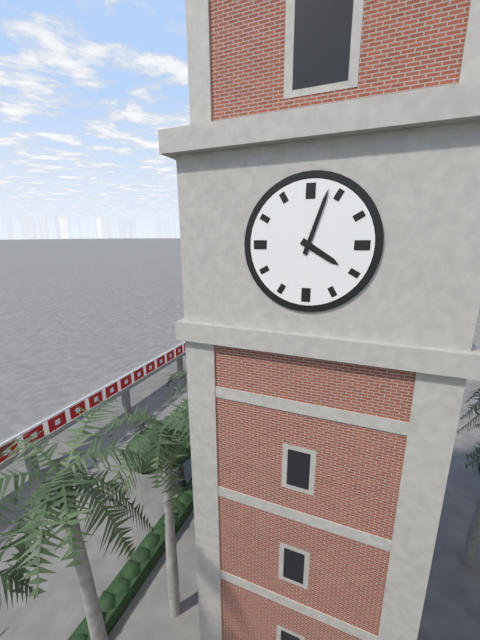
{"hour": 4, "minute": 3}
